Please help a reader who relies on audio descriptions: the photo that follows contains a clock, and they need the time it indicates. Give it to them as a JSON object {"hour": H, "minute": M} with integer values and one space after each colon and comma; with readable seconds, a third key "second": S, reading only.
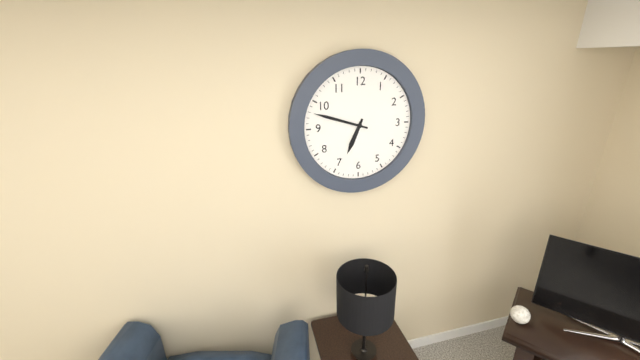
{"hour": 6, "minute": 48}
